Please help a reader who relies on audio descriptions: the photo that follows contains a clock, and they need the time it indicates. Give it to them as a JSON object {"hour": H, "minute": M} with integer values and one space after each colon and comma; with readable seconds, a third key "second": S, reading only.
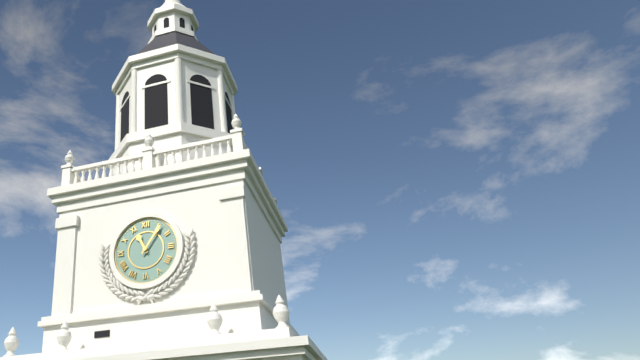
{"hour": 11, "minute": 6}
